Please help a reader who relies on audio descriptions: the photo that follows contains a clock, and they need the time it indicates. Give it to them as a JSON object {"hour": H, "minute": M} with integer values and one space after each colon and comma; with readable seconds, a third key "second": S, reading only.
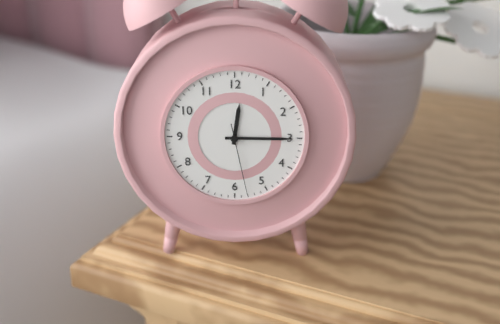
{"hour": 12, "minute": 15, "second": 28}
